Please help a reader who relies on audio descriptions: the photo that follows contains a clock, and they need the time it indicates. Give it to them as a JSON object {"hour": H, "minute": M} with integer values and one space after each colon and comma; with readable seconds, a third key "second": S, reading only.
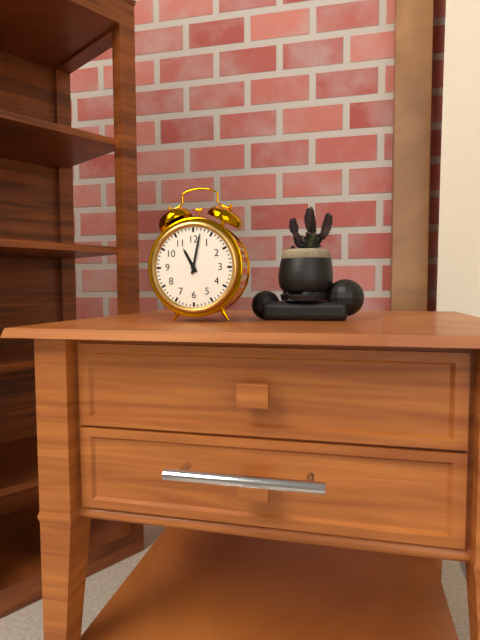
{"hour": 11, "minute": 2}
